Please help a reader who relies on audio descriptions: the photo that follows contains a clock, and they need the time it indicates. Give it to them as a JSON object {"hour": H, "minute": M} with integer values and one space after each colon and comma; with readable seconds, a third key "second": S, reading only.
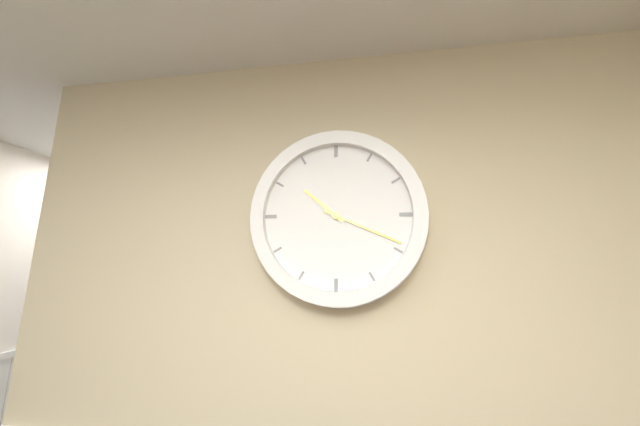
{"hour": 10, "minute": 19}
